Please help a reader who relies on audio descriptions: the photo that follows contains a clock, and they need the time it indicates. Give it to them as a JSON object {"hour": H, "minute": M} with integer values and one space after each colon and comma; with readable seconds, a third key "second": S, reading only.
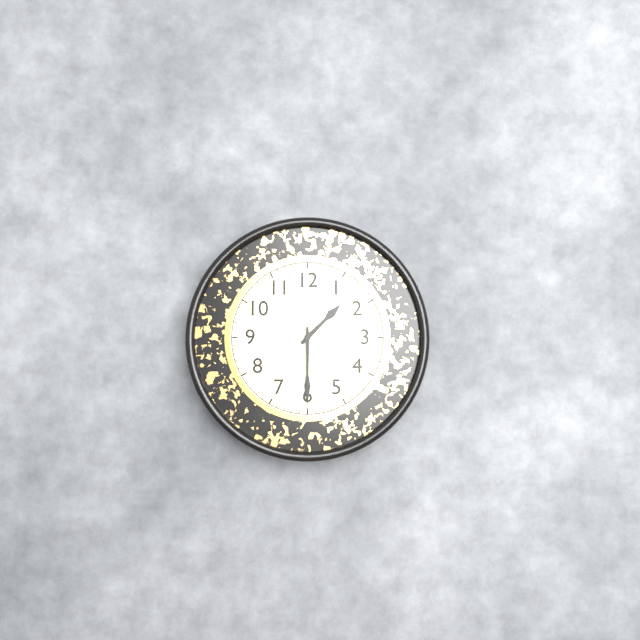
{"hour": 1, "minute": 30}
